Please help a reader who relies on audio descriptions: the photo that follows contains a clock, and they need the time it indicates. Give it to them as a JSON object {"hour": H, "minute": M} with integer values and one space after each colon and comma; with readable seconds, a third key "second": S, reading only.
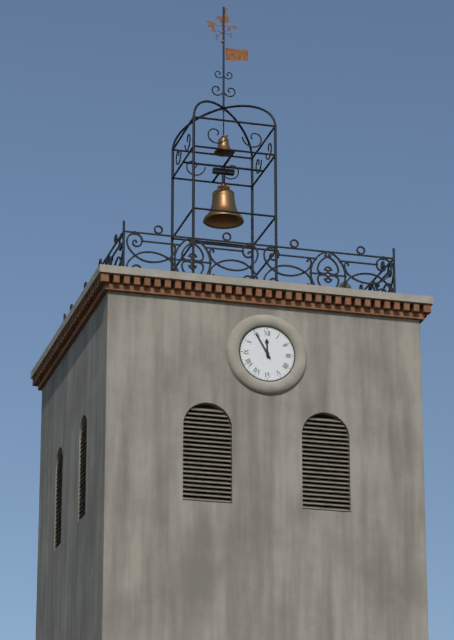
{"hour": 11, "minute": 55}
